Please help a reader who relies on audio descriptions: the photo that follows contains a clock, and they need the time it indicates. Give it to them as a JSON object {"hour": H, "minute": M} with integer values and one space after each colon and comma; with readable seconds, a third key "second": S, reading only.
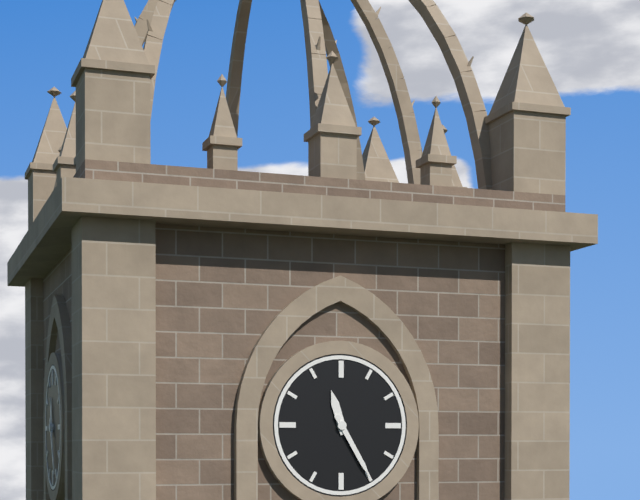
{"hour": 11, "minute": 25}
